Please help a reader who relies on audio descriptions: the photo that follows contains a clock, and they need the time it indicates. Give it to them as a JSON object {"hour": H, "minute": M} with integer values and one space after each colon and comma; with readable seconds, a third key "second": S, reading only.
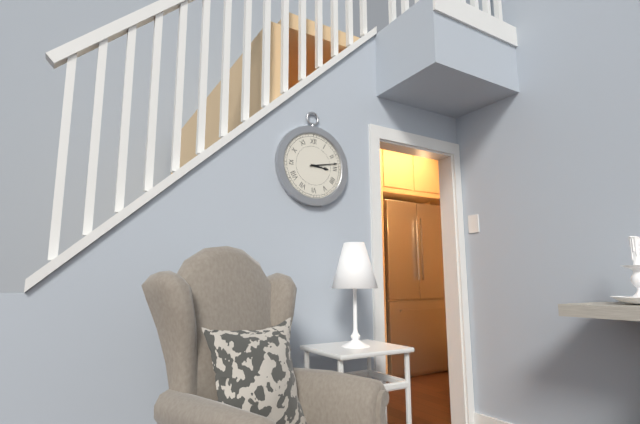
{"hour": 3, "minute": 13}
